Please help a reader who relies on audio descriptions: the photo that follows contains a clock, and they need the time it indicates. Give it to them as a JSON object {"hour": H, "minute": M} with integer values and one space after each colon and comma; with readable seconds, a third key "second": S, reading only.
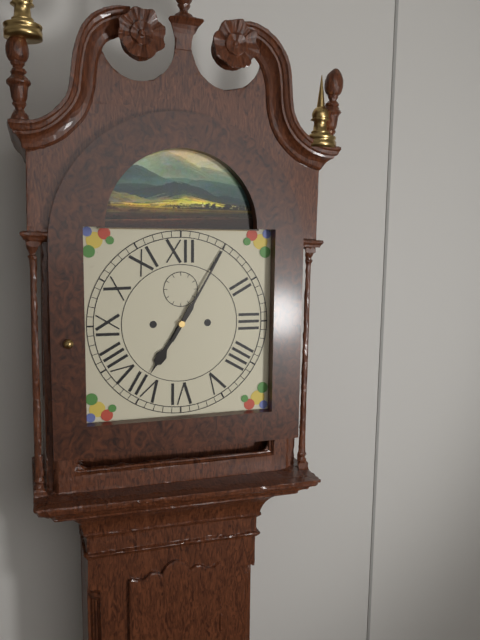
{"hour": 7, "minute": 5}
